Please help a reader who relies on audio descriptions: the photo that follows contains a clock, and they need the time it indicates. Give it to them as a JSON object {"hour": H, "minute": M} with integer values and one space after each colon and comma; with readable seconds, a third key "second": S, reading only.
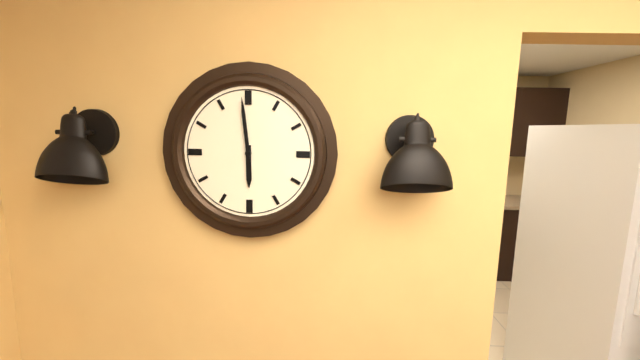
{"hour": 5, "minute": 59}
